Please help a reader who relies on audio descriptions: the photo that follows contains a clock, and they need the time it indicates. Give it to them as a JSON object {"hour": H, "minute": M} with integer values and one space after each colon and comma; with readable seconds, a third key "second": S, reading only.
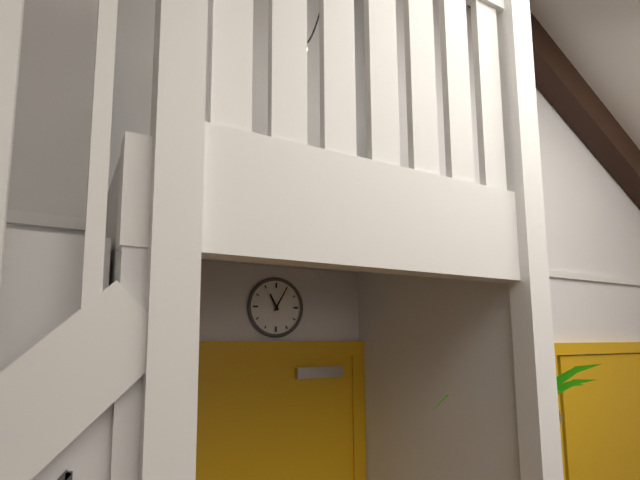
{"hour": 11, "minute": 5}
